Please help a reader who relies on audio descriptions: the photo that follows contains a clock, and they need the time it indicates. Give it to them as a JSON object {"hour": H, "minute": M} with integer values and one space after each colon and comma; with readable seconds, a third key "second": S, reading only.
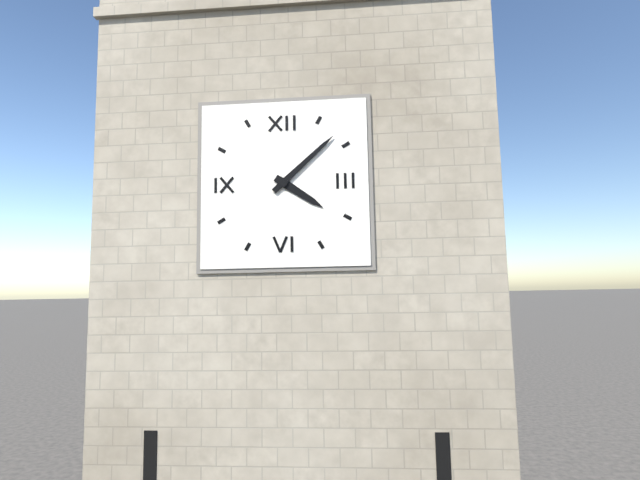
{"hour": 4, "minute": 8}
